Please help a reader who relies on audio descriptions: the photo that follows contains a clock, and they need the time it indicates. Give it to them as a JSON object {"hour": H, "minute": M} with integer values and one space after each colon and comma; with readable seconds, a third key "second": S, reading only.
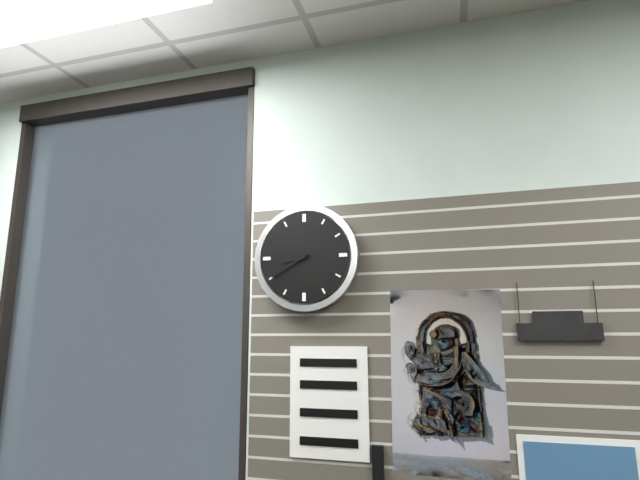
{"hour": 8, "minute": 40}
